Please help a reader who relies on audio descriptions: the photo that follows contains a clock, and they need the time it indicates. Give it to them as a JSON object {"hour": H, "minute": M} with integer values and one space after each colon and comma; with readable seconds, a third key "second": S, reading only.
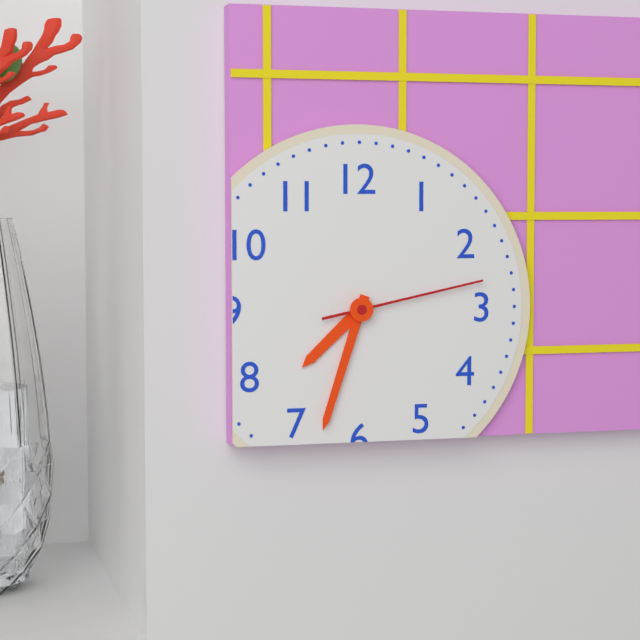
{"hour": 7, "minute": 33, "second": 13}
